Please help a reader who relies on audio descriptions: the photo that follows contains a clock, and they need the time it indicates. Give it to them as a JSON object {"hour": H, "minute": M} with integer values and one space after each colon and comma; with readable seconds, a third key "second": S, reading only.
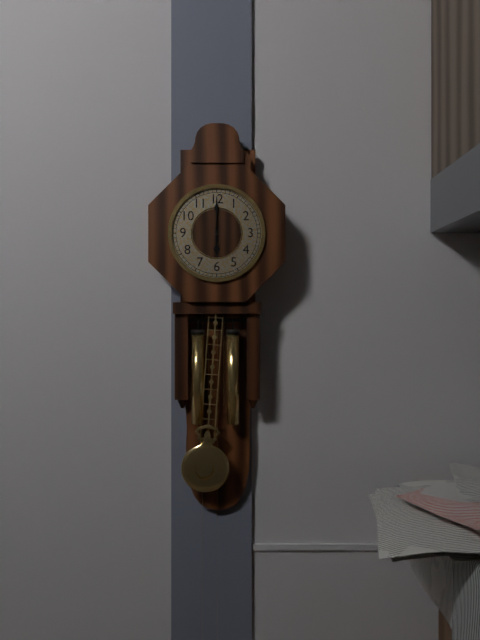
{"hour": 6, "minute": 0}
